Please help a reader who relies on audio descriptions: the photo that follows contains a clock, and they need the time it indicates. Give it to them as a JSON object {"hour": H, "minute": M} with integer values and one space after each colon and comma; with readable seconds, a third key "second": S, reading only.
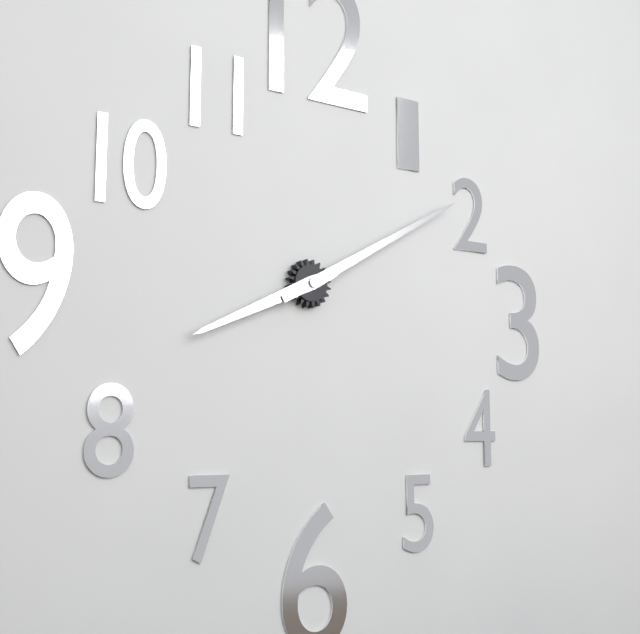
{"hour": 8, "minute": 10}
